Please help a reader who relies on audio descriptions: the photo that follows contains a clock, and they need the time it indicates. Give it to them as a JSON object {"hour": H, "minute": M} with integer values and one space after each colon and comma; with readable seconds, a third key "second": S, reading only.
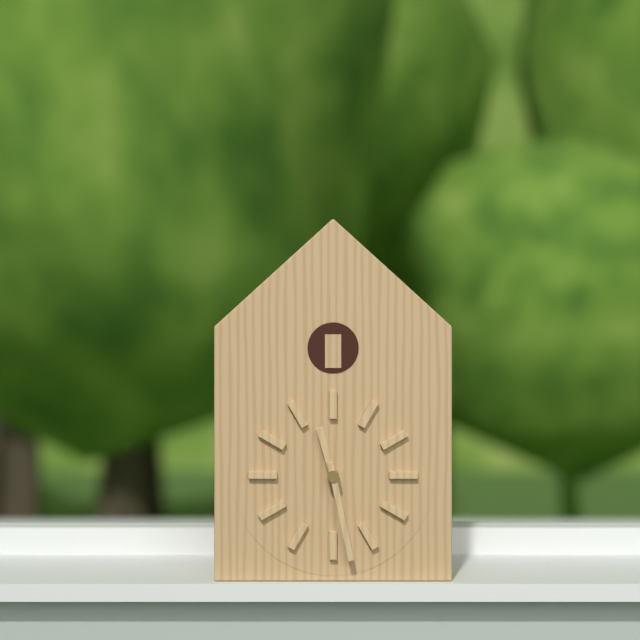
{"hour": 11, "minute": 28}
